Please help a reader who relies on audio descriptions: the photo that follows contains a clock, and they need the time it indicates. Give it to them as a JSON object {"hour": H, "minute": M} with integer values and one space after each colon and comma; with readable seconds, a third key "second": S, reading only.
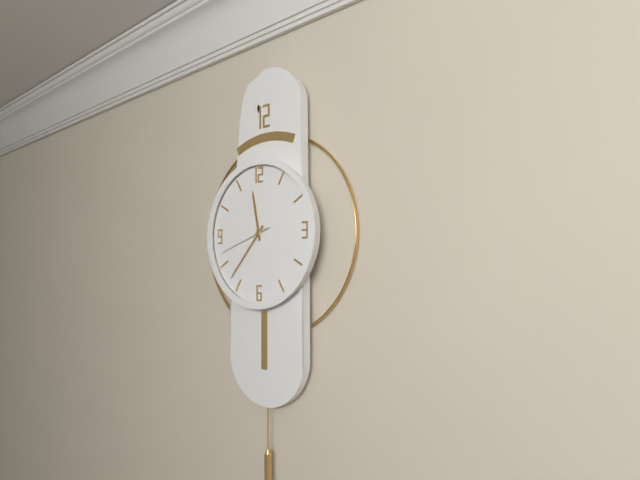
{"hour": 11, "minute": 37, "second": 42}
